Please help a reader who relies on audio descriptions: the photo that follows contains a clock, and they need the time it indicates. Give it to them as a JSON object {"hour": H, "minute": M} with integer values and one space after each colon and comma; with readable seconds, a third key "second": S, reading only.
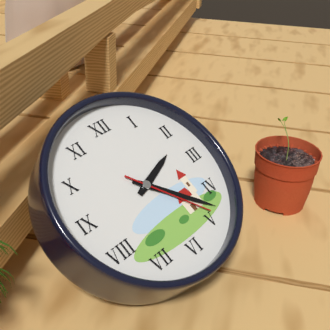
{"hour": 2, "minute": 23, "second": 24}
